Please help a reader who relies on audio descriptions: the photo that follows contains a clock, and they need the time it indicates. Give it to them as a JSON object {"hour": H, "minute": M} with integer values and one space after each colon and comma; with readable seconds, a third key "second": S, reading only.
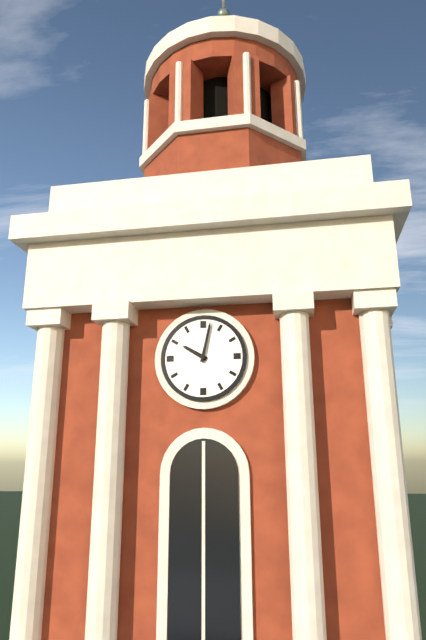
{"hour": 10, "minute": 2}
